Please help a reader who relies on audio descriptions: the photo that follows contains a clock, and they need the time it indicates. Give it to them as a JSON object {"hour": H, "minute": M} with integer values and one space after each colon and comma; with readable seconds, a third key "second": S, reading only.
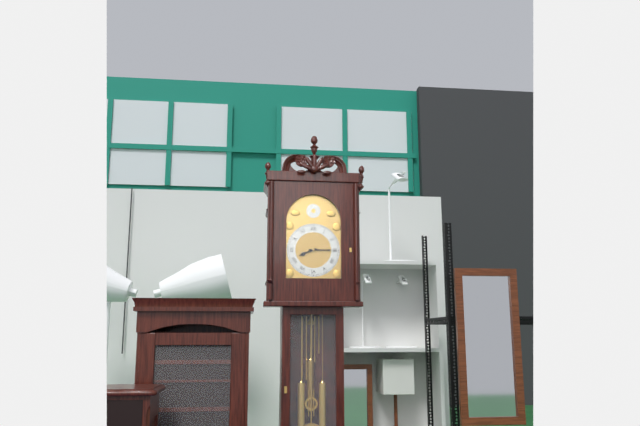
{"hour": 8, "minute": 15}
